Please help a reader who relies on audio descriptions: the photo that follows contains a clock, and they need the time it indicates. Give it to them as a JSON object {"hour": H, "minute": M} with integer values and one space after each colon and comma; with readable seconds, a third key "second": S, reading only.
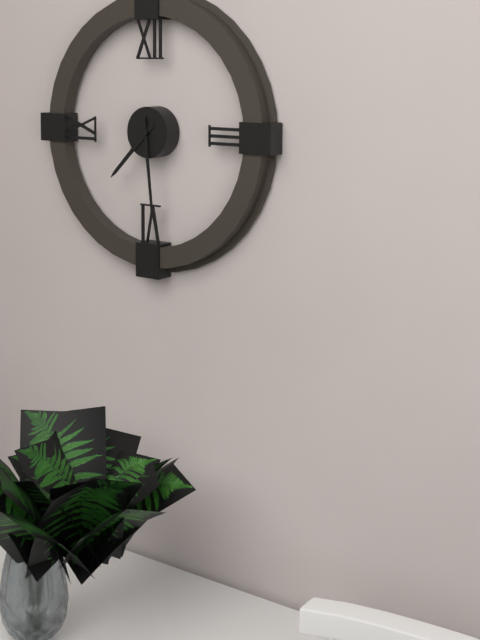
{"hour": 7, "minute": 29}
